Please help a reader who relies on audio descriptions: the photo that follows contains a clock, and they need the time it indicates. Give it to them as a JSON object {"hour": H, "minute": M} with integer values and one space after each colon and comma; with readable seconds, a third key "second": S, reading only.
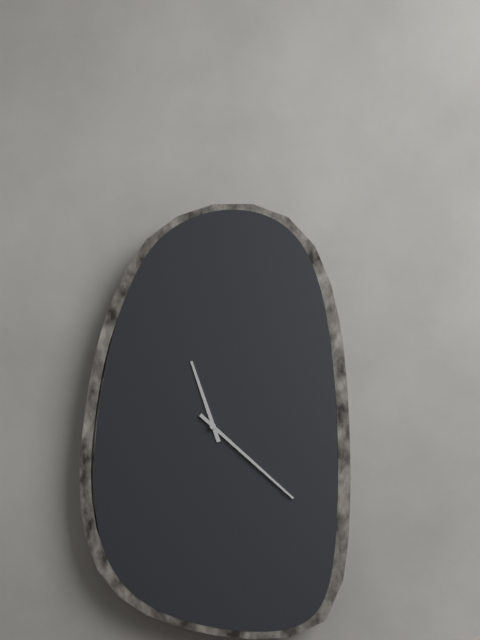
{"hour": 11, "minute": 22}
